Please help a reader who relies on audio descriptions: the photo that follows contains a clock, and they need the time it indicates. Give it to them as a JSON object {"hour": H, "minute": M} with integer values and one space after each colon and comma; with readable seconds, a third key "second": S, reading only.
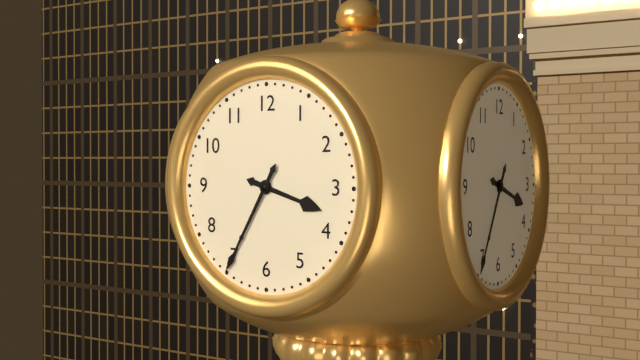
{"hour": 3, "minute": 35}
